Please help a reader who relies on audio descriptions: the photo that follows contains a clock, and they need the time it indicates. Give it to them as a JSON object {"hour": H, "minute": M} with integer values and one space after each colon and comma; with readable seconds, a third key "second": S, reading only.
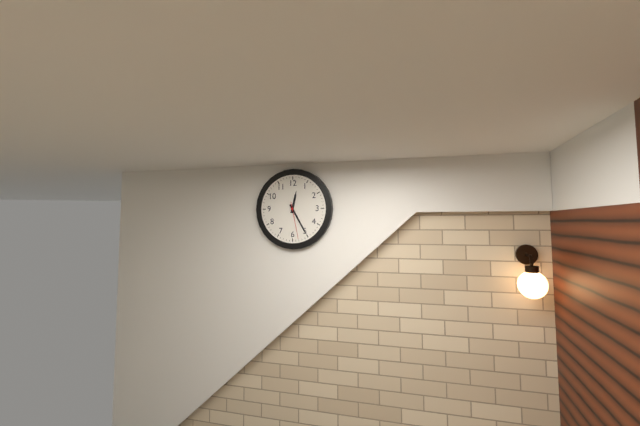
{"hour": 12, "minute": 25}
